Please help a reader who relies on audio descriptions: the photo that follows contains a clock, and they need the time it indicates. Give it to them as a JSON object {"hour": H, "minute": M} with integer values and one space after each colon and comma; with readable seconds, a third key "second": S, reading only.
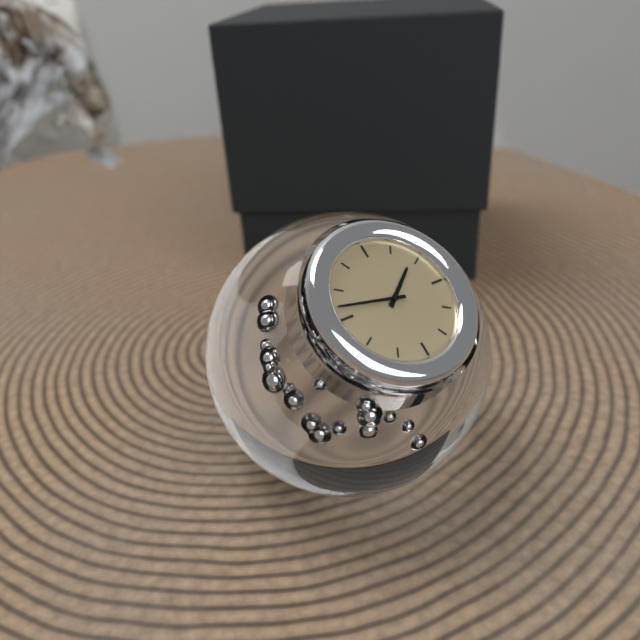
{"hour": 1, "minute": 47}
